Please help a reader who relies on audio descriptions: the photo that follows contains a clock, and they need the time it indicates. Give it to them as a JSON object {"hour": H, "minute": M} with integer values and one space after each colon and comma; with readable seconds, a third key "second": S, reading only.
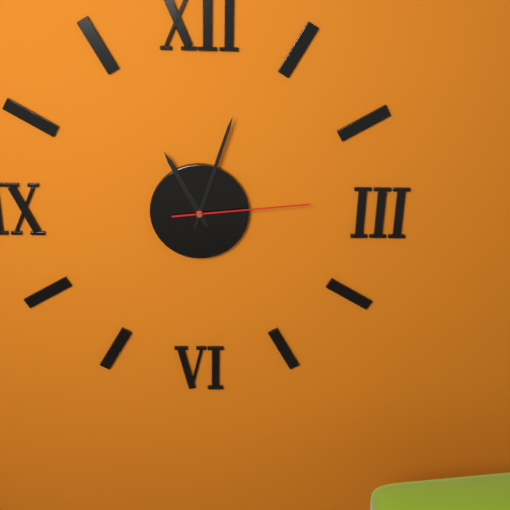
{"hour": 11, "minute": 3, "second": 14}
